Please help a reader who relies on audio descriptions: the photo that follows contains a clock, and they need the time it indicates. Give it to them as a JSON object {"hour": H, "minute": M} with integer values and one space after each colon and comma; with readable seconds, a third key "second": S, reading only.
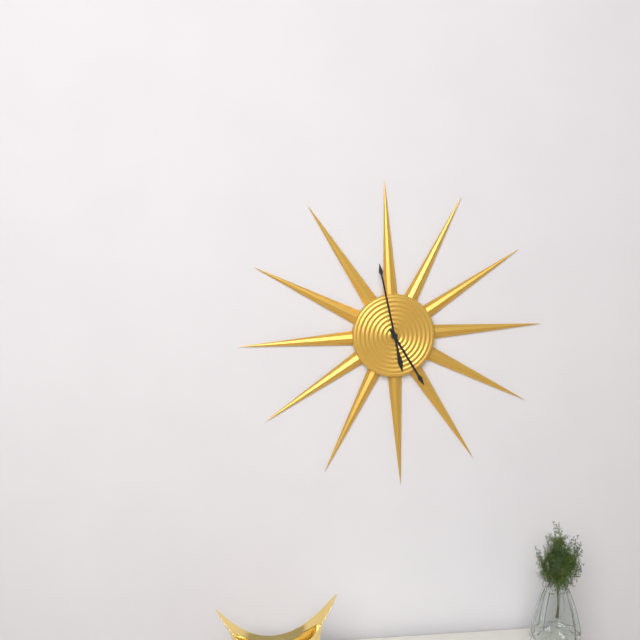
{"hour": 4, "minute": 58}
